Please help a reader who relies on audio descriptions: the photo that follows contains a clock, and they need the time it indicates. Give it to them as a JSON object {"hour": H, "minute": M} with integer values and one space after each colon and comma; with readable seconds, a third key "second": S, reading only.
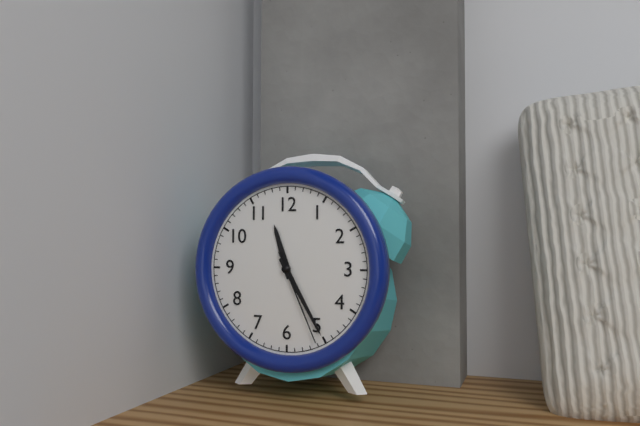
{"hour": 11, "minute": 25, "second": 26}
